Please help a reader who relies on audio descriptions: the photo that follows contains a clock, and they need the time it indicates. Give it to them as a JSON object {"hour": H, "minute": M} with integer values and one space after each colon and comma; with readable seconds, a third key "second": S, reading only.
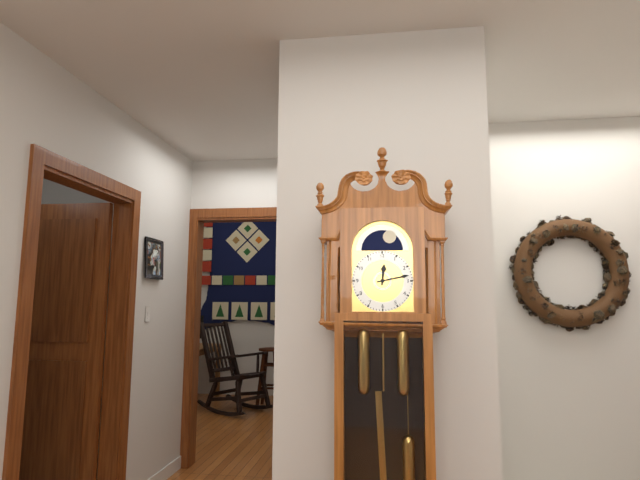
{"hour": 12, "minute": 13}
